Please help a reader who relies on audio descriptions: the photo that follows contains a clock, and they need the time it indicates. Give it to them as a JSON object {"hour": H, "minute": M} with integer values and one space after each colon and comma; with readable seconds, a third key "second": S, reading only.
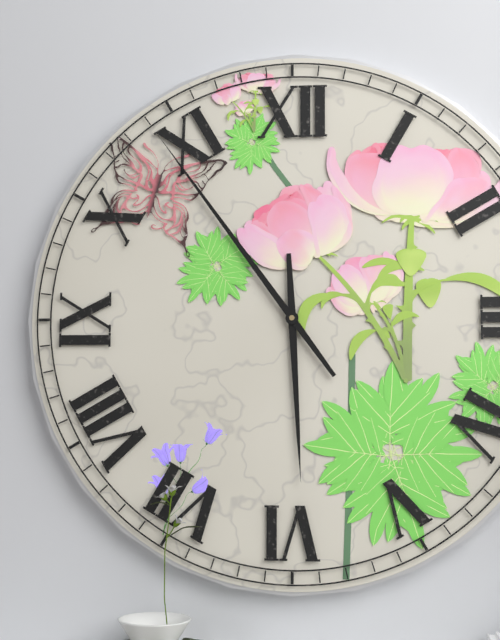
{"hour": 5, "minute": 54}
